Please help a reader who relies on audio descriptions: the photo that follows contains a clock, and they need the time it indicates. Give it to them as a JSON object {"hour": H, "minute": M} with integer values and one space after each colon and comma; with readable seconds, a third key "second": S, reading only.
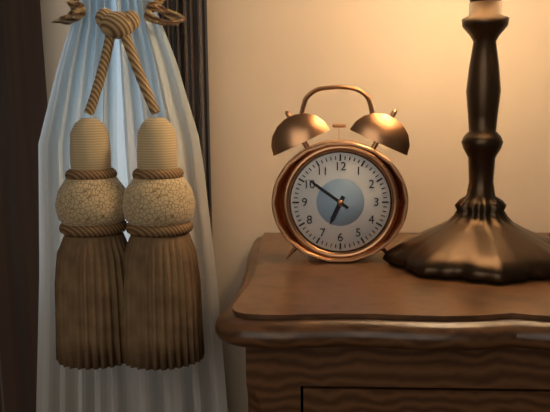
{"hour": 6, "minute": 51}
